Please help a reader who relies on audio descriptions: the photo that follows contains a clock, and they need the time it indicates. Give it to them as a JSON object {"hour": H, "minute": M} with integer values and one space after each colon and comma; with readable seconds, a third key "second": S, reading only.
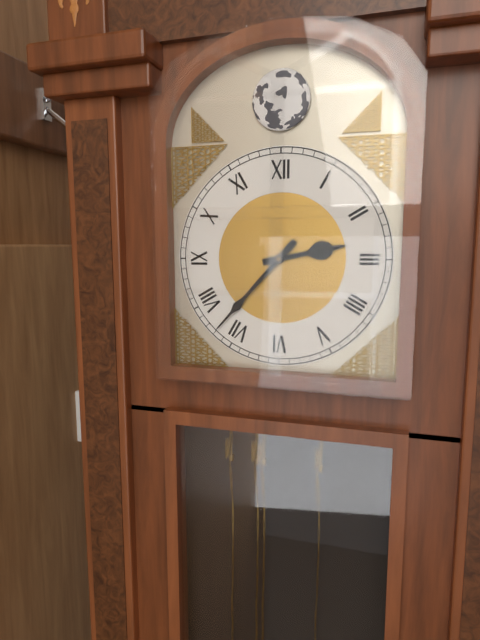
{"hour": 2, "minute": 37}
